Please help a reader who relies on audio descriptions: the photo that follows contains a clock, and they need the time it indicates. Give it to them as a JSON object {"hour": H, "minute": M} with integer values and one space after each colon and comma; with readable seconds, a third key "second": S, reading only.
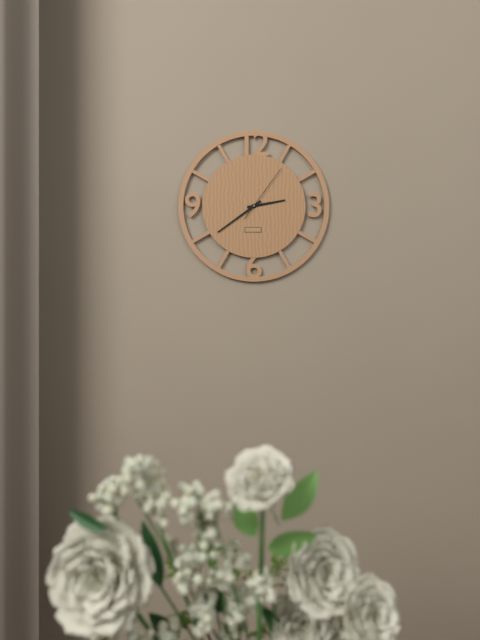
{"hour": 2, "minute": 39, "second": 6}
